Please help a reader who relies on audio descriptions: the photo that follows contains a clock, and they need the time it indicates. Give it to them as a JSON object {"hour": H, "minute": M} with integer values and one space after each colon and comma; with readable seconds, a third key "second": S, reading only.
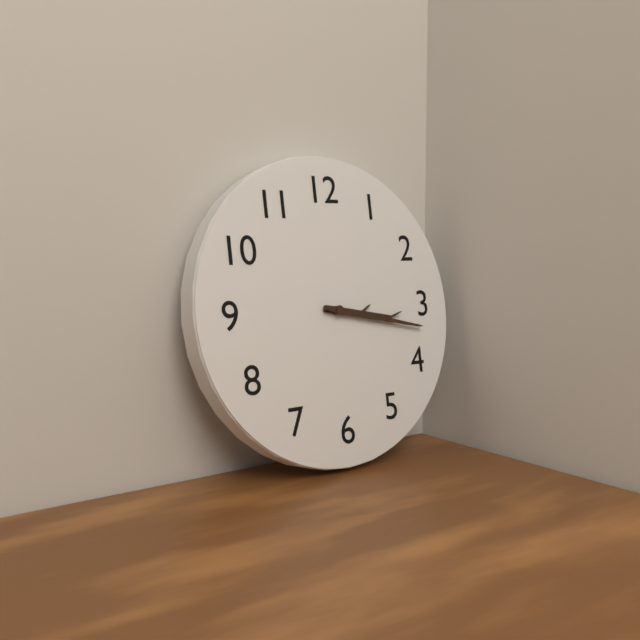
{"hour": 3, "minute": 17}
